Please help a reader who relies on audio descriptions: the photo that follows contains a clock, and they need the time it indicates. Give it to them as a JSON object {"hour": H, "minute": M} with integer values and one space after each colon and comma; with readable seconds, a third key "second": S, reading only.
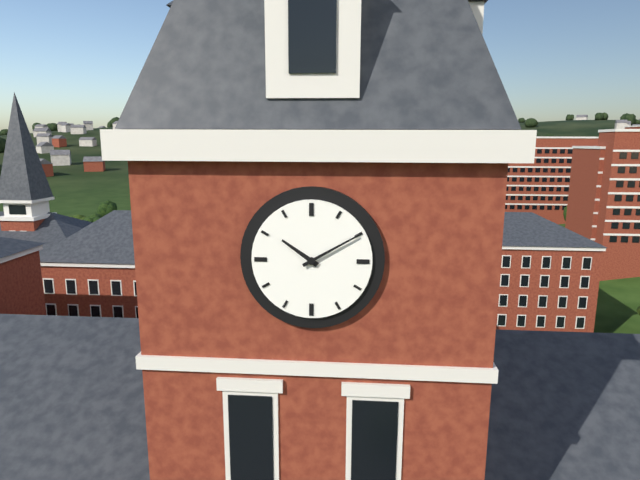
{"hour": 10, "minute": 10}
